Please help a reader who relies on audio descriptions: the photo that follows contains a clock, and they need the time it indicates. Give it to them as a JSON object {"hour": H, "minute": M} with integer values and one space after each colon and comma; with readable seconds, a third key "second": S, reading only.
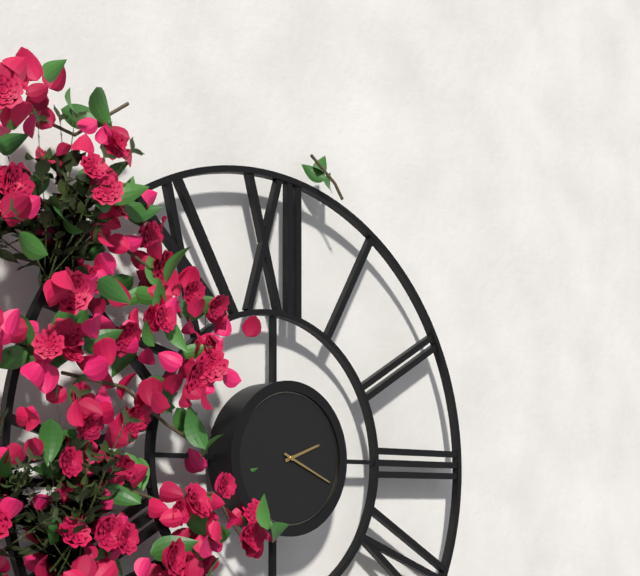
{"hour": 2, "minute": 19}
